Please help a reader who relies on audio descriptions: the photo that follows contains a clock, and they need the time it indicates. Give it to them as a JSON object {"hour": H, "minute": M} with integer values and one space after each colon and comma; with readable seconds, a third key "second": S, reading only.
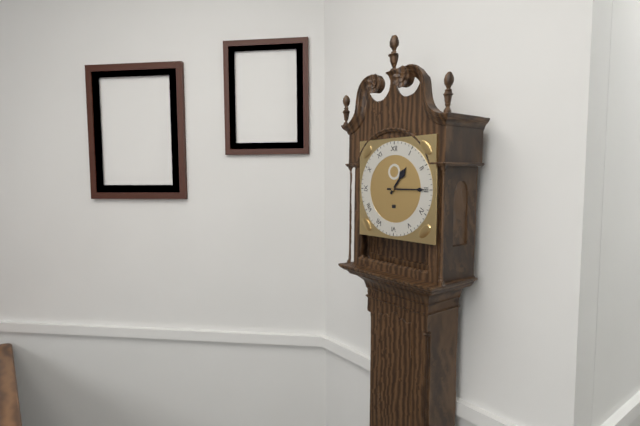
{"hour": 1, "minute": 15}
